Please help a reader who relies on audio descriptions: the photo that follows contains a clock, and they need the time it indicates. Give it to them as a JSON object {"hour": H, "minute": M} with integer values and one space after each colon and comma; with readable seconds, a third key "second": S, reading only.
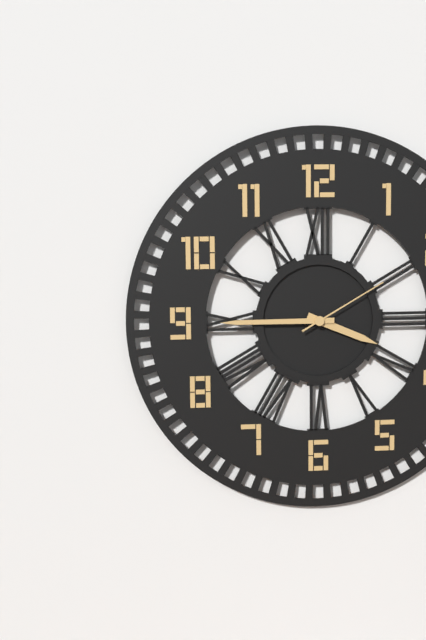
{"hour": 3, "minute": 45, "second": 10}
